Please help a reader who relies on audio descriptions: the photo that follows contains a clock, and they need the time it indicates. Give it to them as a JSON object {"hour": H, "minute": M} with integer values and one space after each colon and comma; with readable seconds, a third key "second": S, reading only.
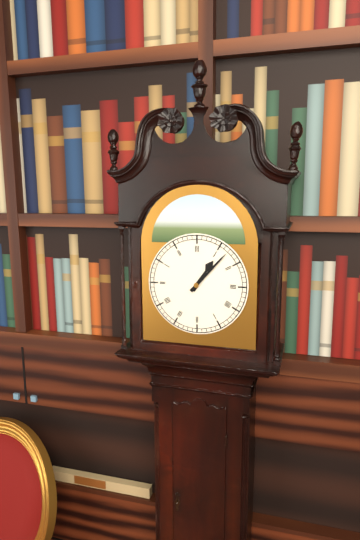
{"hour": 1, "minute": 7}
